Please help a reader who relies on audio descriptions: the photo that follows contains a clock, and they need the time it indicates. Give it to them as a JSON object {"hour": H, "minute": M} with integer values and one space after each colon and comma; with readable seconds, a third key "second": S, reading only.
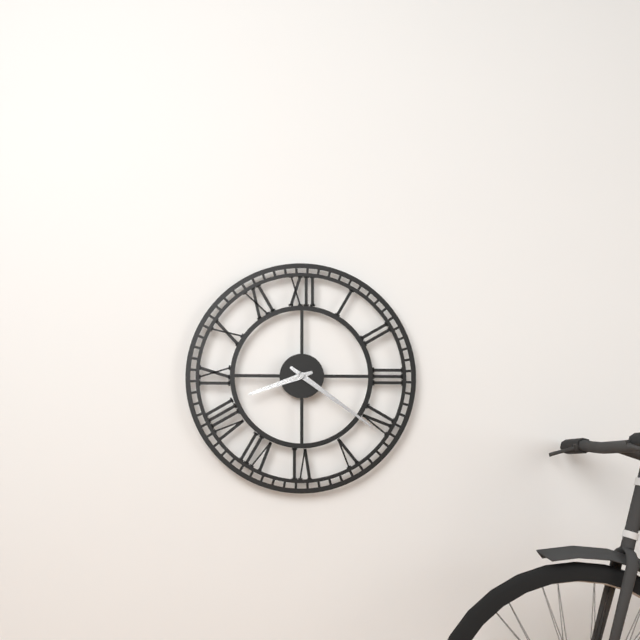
{"hour": 8, "minute": 21}
